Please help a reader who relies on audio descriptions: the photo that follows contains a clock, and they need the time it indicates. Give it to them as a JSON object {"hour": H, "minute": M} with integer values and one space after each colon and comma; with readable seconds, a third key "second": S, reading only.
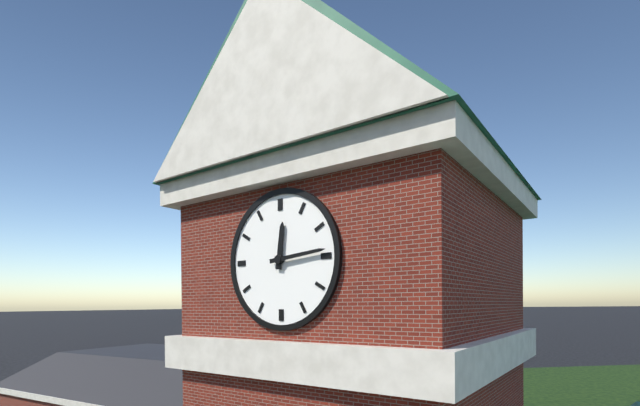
{"hour": 12, "minute": 14}
